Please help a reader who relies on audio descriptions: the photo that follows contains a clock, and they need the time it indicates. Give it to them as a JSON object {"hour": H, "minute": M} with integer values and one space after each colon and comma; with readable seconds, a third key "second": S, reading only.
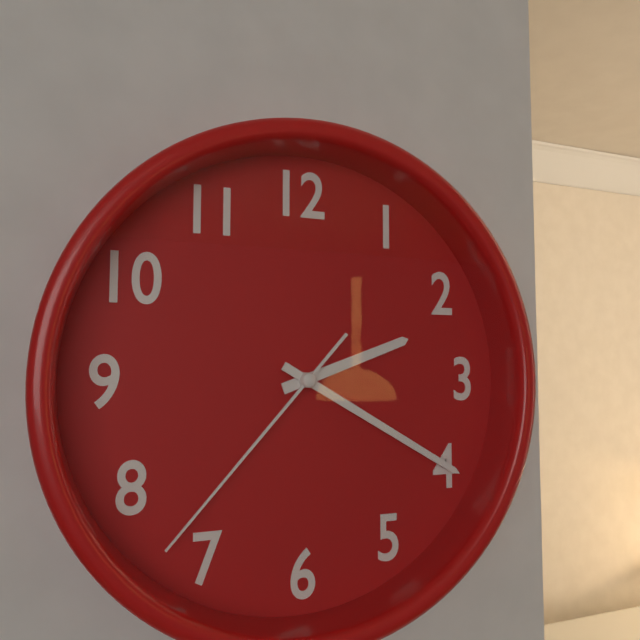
{"hour": 2, "minute": 20, "second": 37}
